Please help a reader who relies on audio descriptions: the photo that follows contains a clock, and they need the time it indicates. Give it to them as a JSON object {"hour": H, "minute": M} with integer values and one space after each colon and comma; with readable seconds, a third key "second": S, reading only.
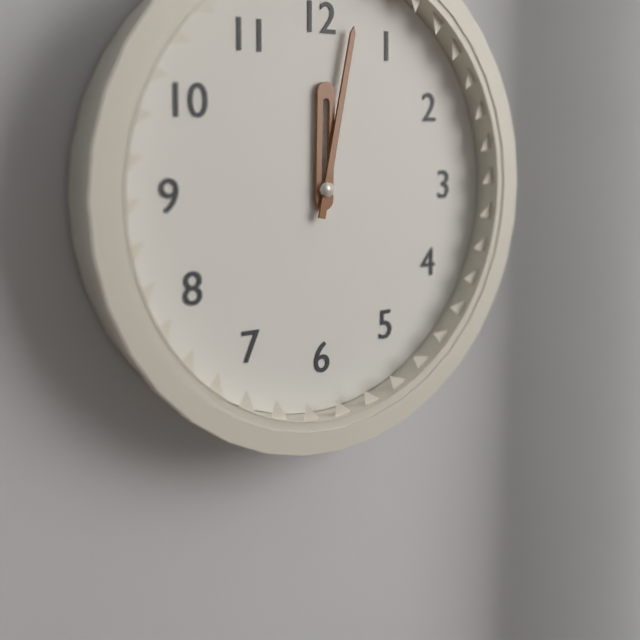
{"hour": 12, "minute": 2}
